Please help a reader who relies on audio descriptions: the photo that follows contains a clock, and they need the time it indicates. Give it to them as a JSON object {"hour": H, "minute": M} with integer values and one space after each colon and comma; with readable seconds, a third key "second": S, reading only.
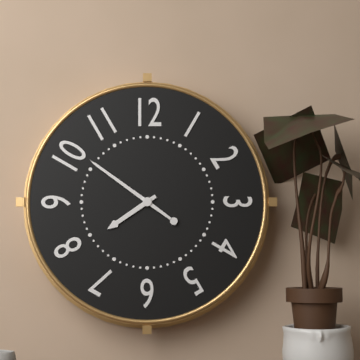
{"hour": 7, "minute": 51}
